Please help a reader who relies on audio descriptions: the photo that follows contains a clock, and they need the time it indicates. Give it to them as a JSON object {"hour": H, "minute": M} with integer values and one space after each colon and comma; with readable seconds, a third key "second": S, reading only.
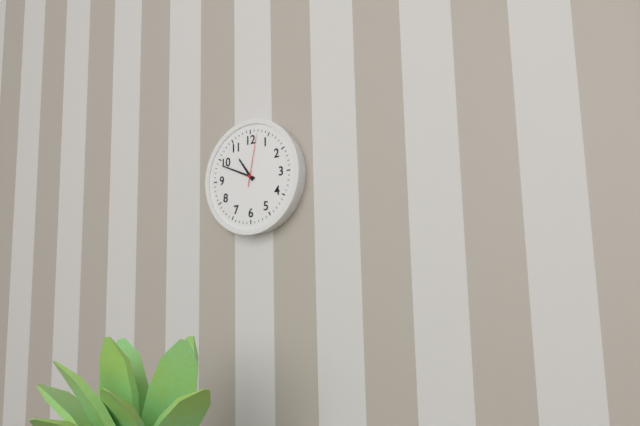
{"hour": 10, "minute": 49, "second": 2}
